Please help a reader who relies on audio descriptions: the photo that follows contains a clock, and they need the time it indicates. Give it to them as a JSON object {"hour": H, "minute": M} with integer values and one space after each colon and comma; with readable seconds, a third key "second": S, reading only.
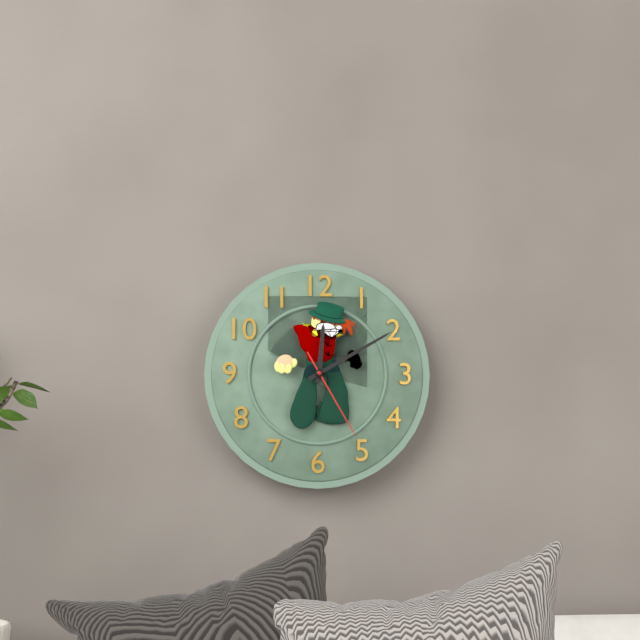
{"hour": 12, "minute": 10, "second": 25}
